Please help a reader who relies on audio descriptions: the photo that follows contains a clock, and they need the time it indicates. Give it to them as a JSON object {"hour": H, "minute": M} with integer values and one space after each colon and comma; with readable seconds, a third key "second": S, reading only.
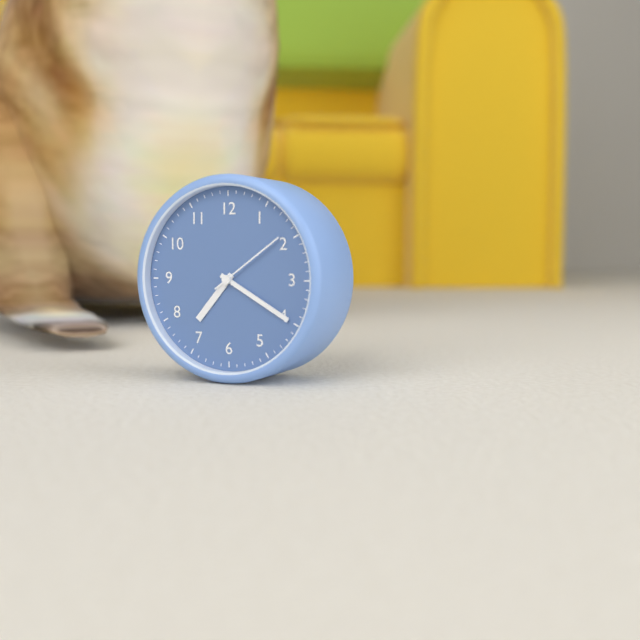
{"hour": 7, "minute": 20, "second": 9}
